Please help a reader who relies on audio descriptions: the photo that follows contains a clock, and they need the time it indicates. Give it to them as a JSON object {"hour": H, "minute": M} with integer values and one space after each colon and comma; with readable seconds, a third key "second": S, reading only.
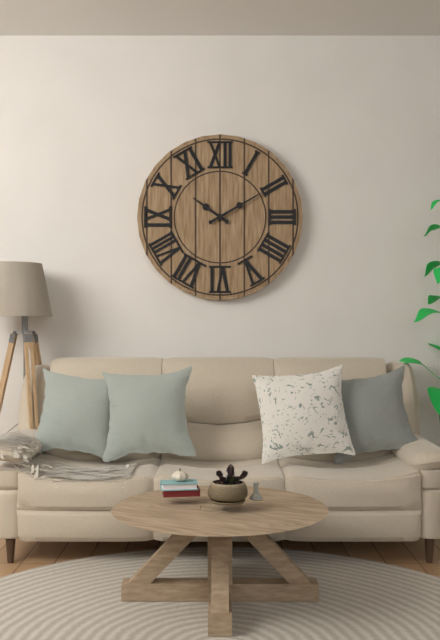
{"hour": 10, "minute": 10}
